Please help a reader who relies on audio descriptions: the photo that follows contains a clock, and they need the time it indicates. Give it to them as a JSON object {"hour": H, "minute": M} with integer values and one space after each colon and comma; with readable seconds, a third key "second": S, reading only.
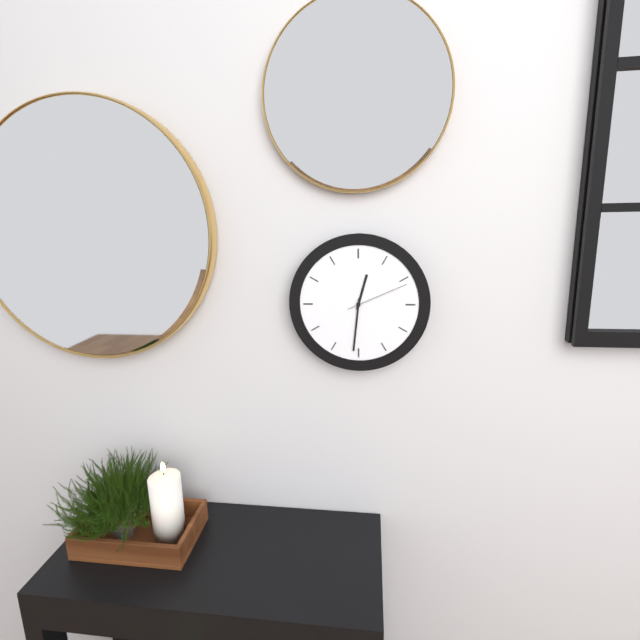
{"hour": 12, "minute": 31, "second": 11}
